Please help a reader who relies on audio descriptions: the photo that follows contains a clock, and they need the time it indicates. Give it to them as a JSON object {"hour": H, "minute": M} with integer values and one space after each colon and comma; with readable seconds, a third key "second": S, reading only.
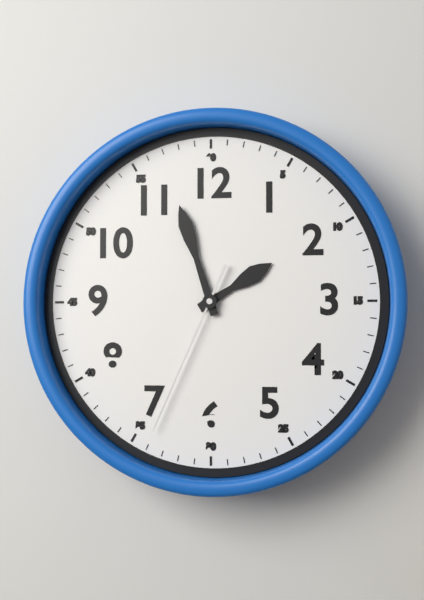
{"hour": 1, "minute": 57, "second": 34}
